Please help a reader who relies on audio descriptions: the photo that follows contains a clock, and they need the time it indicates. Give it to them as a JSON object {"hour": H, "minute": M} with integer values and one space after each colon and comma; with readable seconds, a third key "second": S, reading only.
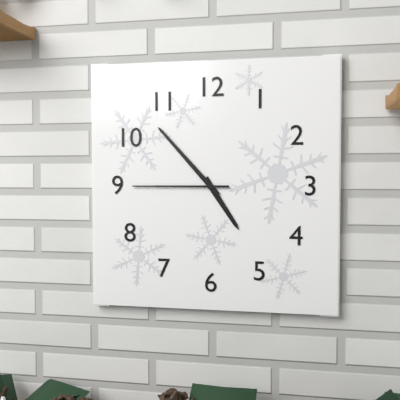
{"hour": 4, "minute": 53, "second": 45}
